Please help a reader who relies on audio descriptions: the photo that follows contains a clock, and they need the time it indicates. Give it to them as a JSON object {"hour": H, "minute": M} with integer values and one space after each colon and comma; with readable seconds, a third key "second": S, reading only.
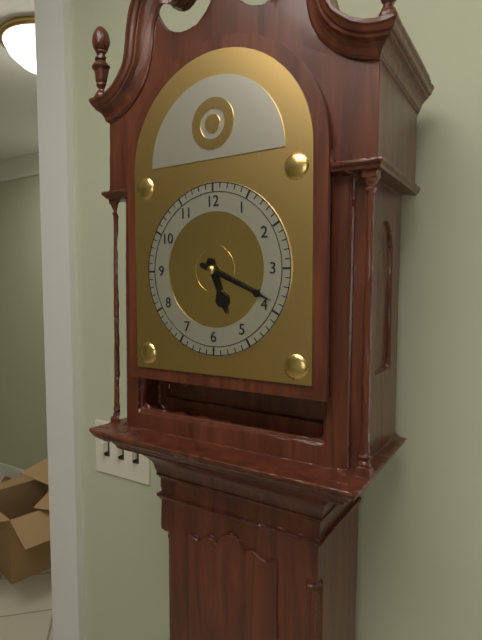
{"hour": 5, "minute": 19}
